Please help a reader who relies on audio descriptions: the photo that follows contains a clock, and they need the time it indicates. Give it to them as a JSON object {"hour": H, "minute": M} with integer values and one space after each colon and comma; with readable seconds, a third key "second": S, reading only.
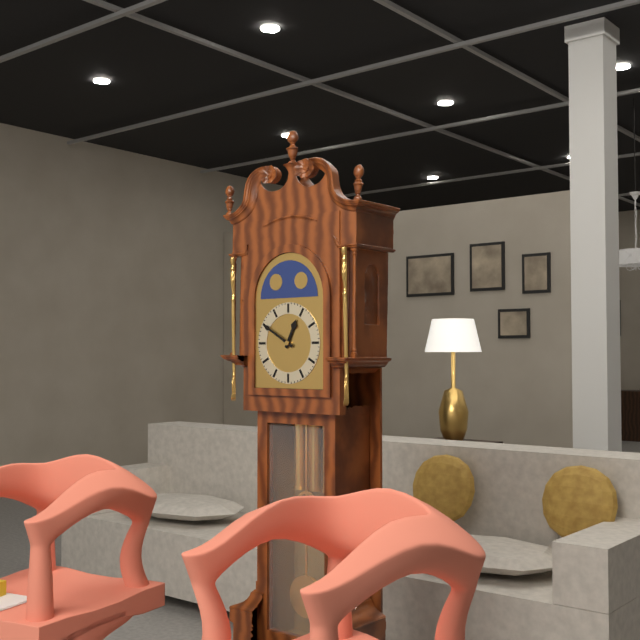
{"hour": 12, "minute": 50}
